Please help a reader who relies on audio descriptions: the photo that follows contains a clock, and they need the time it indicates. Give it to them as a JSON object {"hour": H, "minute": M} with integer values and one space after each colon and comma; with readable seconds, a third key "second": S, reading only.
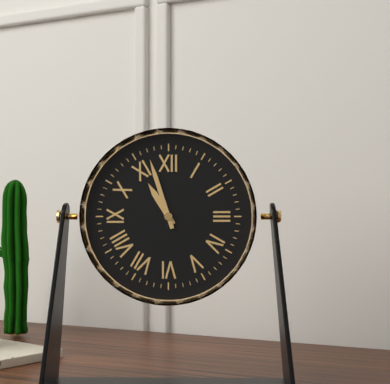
{"hour": 10, "minute": 57}
